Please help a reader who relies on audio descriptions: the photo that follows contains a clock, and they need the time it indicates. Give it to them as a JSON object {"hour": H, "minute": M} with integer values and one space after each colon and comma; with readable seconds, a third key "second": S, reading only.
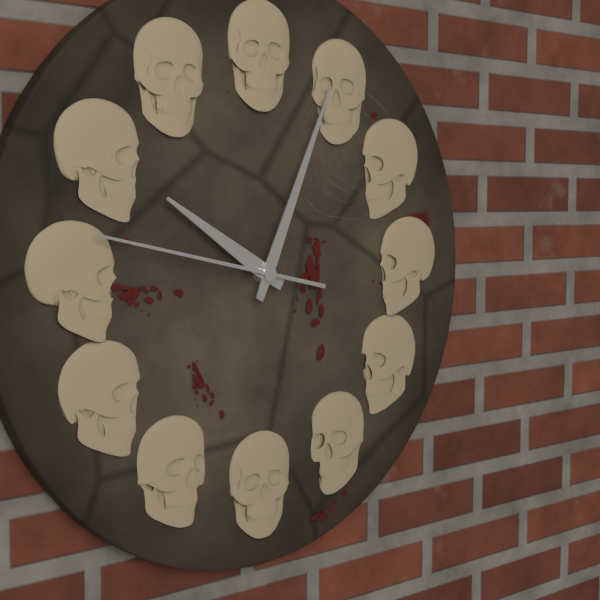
{"hour": 10, "minute": 4, "second": 47}
